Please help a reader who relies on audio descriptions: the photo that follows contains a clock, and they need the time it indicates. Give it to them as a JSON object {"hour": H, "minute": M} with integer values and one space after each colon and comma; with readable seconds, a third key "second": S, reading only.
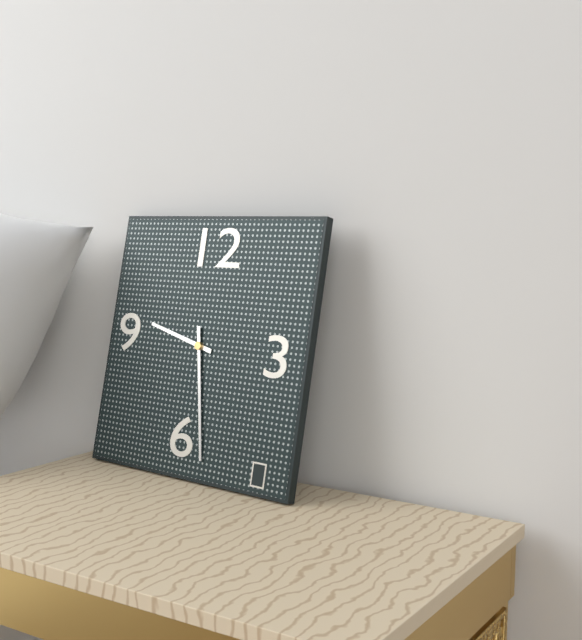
{"hour": 9, "minute": 28}
